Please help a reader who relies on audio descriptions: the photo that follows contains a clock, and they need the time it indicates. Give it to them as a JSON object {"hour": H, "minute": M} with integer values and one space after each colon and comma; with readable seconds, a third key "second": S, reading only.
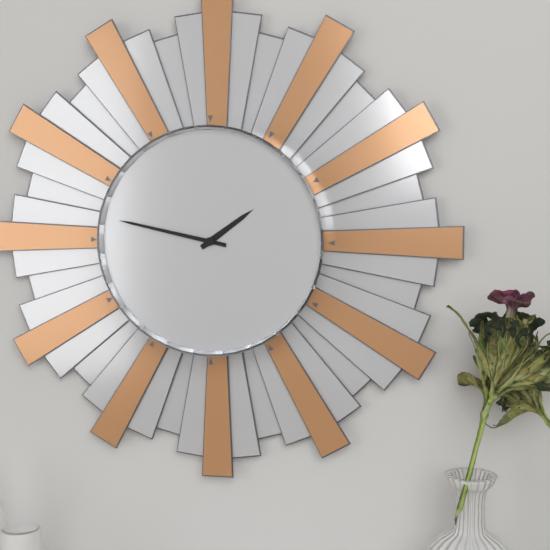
{"hour": 1, "minute": 47}
